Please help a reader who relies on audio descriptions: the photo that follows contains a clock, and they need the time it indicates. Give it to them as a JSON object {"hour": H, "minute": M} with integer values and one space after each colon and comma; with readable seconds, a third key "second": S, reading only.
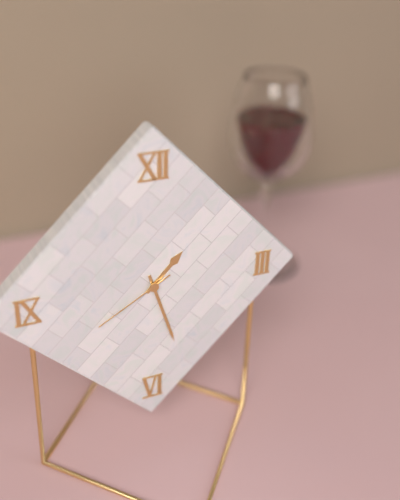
{"hour": 1, "minute": 27, "second": 40}
